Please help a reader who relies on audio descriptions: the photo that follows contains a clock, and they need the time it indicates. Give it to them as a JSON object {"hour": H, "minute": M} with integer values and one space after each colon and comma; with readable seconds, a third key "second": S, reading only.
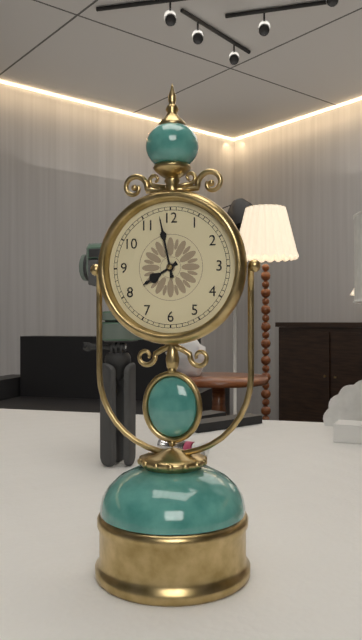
{"hour": 7, "minute": 58}
